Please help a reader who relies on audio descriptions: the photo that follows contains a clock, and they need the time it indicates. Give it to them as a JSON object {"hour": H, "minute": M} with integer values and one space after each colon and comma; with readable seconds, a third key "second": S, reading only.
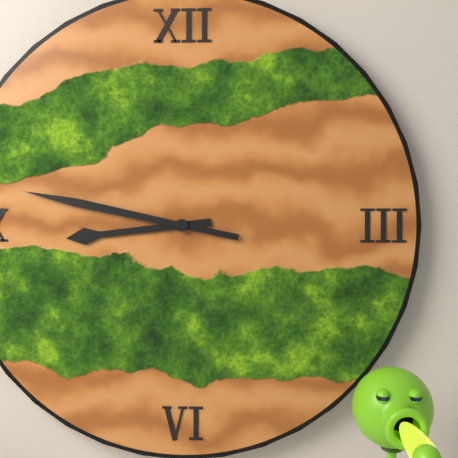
{"hour": 8, "minute": 47}
